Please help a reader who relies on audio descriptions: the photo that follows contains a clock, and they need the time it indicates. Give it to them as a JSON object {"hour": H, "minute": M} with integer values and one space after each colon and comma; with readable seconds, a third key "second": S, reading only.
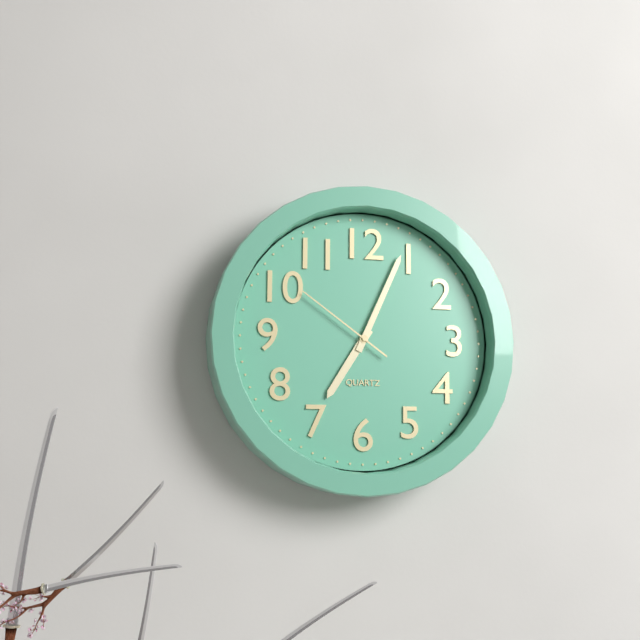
{"hour": 7, "minute": 4, "second": 51}
